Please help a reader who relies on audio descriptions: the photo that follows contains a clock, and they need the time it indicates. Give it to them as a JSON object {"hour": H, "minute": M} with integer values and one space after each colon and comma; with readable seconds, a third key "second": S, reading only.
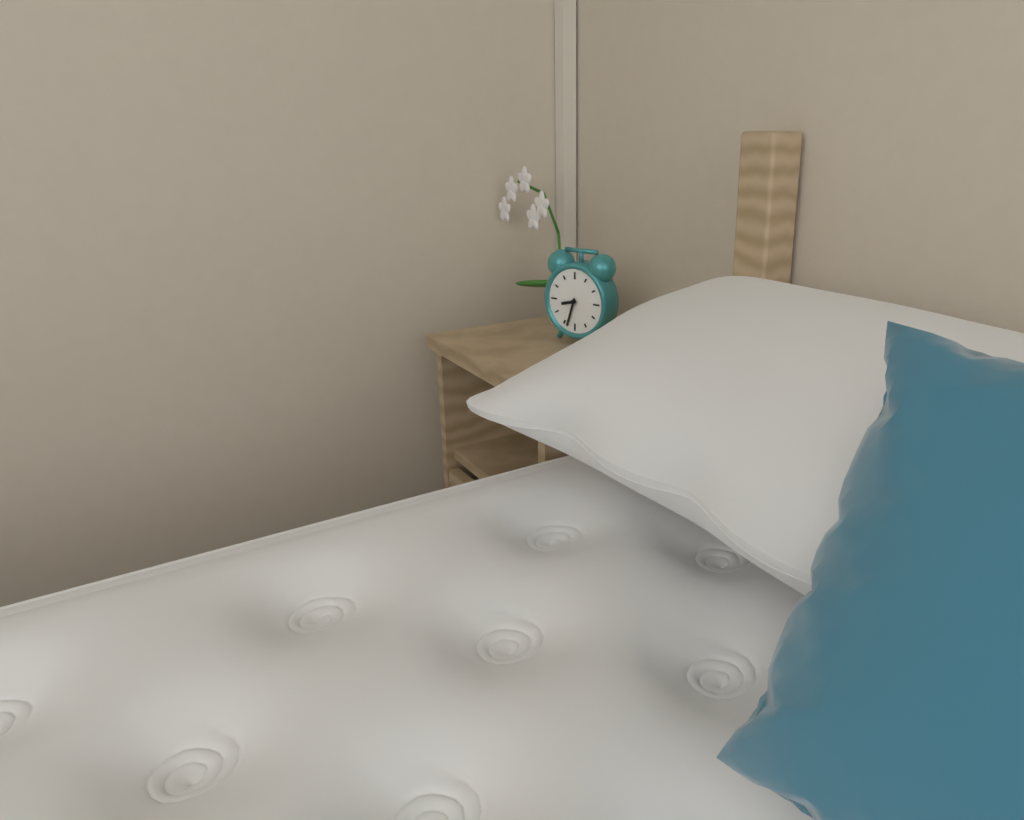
{"hour": 8, "minute": 33}
